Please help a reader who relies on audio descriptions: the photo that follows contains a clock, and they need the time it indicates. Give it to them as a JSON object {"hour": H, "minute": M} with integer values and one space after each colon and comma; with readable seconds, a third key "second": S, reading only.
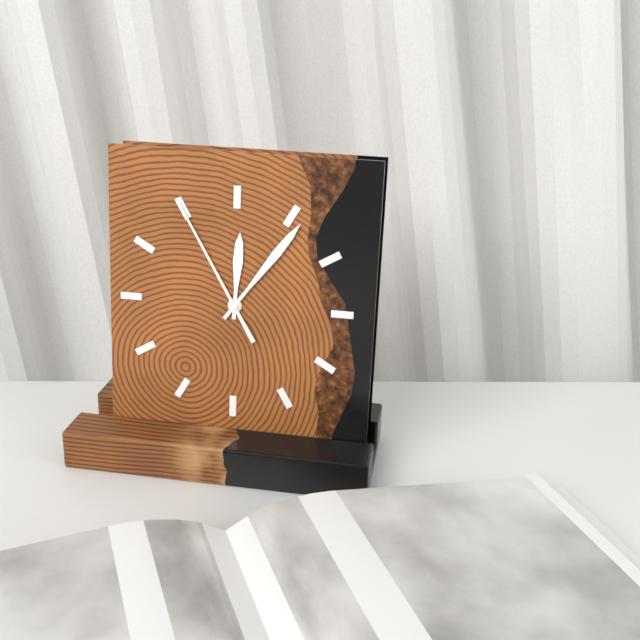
{"hour": 12, "minute": 6, "second": 55}
